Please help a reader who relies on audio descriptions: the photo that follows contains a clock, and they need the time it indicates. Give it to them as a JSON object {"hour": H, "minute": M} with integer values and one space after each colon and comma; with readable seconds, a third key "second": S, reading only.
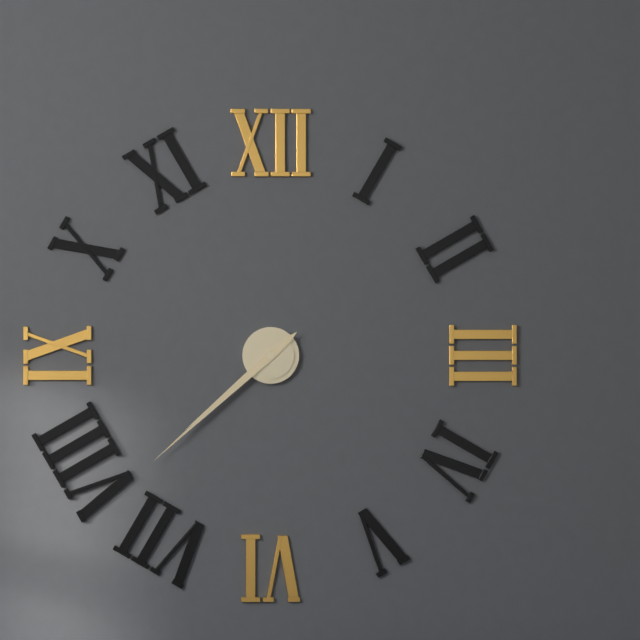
{"hour": 7, "minute": 38}
